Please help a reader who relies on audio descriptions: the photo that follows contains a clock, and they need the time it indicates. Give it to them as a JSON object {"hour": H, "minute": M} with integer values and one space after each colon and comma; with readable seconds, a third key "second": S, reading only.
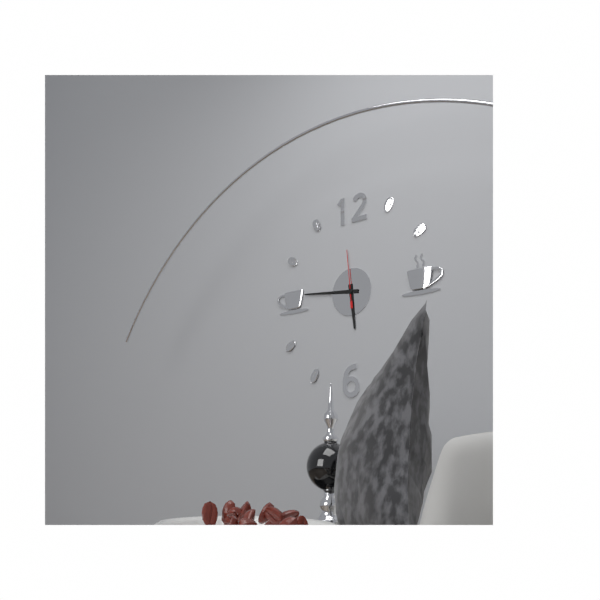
{"hour": 5, "minute": 46, "second": 59}
